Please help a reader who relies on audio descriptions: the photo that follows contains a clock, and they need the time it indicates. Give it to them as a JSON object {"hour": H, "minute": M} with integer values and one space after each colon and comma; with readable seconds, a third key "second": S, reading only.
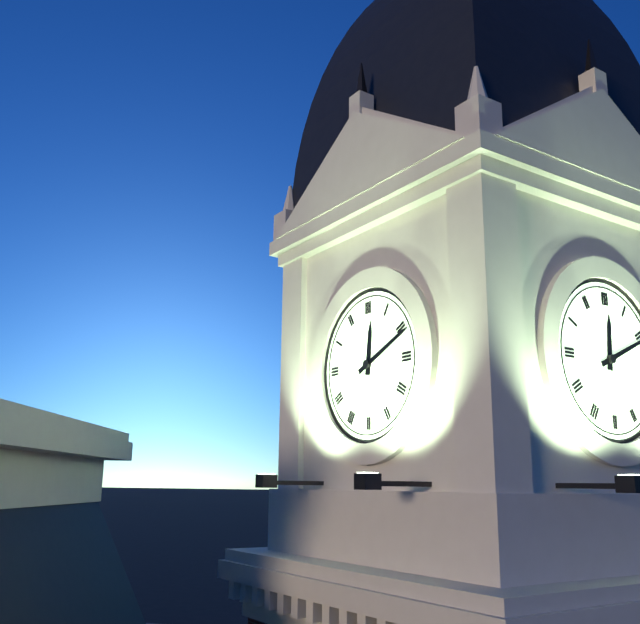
{"hour": 12, "minute": 11}
